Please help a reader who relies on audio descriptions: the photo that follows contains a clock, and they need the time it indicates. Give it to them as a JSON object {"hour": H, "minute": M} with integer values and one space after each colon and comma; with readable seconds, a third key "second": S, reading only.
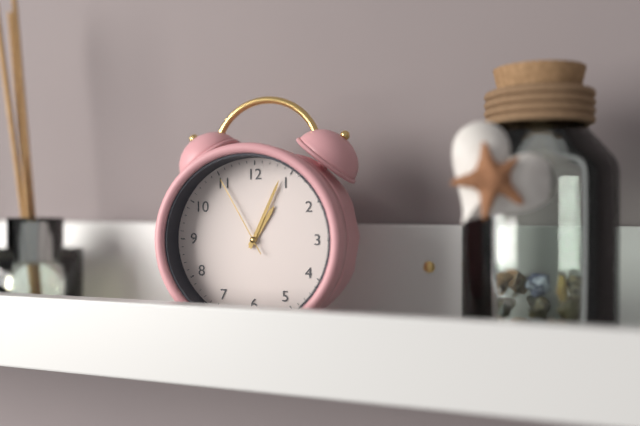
{"hour": 1, "minute": 4, "second": 55}
